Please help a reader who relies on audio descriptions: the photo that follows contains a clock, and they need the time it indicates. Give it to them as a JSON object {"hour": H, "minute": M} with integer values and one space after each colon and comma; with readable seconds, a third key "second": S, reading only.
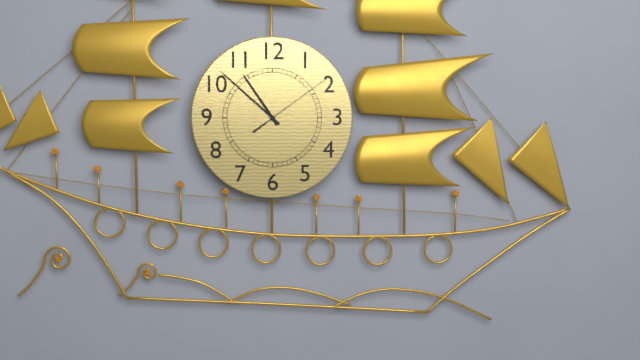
{"hour": 10, "minute": 52, "second": 9}
